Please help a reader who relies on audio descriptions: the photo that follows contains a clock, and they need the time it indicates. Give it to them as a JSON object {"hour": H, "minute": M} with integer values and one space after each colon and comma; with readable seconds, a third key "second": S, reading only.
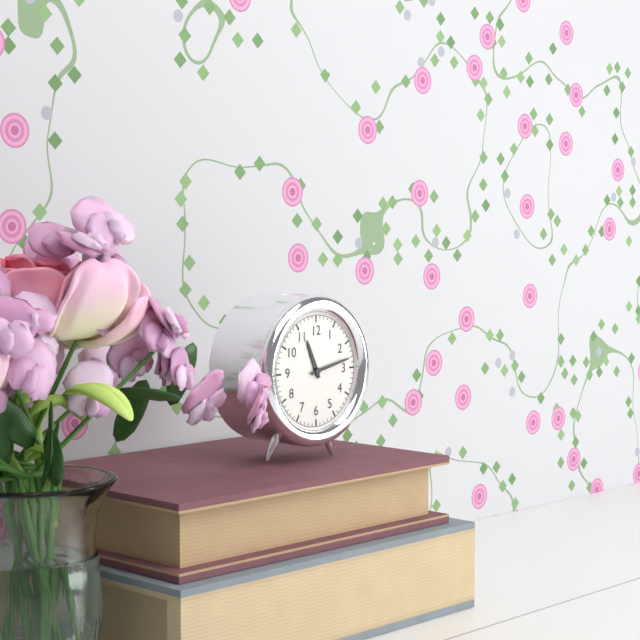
{"hour": 11, "minute": 13}
